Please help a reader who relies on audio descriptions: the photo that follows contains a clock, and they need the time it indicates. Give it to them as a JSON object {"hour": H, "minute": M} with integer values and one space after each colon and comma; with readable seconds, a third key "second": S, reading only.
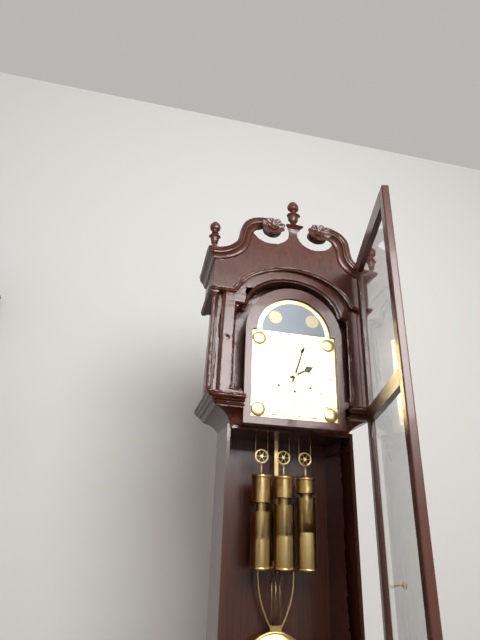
{"hour": 2, "minute": 3}
